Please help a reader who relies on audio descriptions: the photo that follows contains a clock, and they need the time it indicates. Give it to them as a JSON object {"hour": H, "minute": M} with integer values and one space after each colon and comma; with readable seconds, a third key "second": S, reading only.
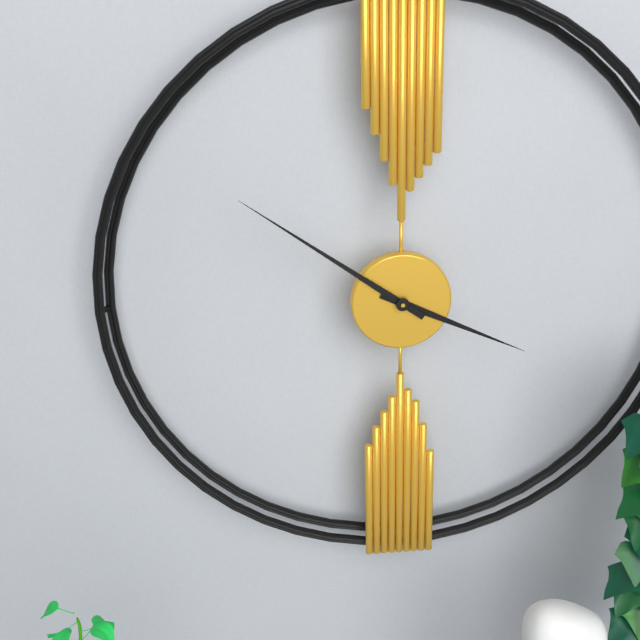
{"hour": 3, "minute": 51}
